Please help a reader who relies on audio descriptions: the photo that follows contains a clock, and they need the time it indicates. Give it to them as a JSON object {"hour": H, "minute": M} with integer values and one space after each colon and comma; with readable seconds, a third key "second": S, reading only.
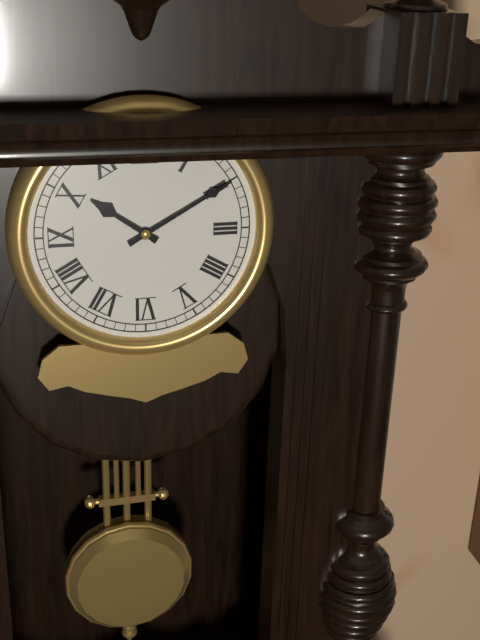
{"hour": 10, "minute": 10}
